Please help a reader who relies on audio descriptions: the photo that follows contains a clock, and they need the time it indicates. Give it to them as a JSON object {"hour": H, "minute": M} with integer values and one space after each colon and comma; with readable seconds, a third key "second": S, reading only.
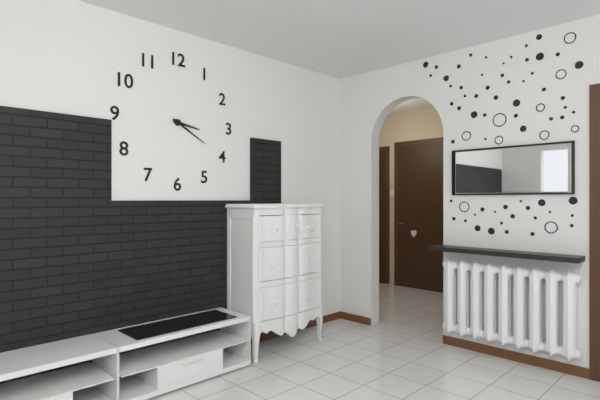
{"hour": 3, "minute": 20}
